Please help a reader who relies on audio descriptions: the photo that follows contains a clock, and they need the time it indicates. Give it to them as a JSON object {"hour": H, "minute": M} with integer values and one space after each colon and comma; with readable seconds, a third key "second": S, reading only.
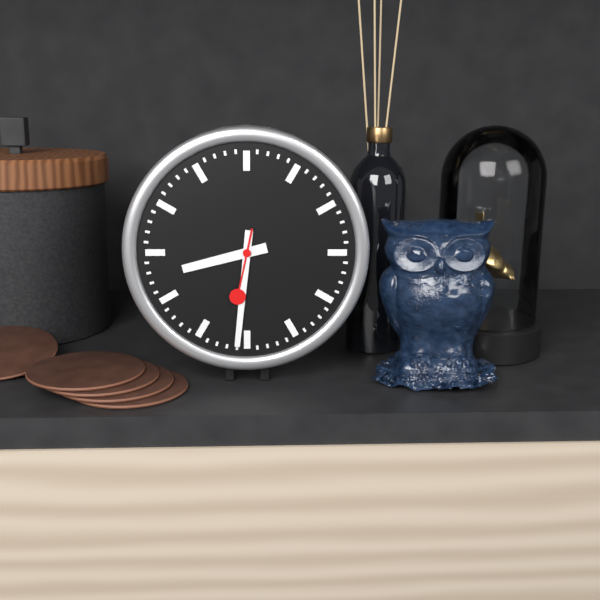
{"hour": 8, "minute": 31, "second": 32}
